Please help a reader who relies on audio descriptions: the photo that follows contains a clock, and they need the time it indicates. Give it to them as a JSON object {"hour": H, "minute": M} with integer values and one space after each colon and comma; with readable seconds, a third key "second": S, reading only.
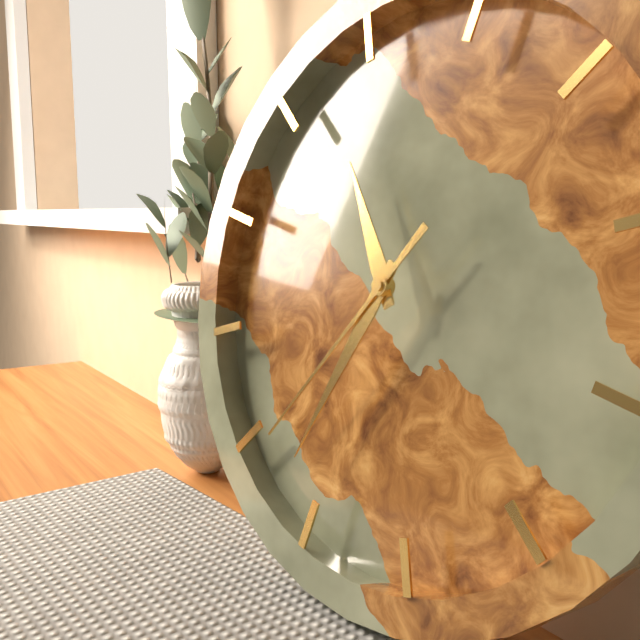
{"hour": 10, "minute": 32, "second": 34}
